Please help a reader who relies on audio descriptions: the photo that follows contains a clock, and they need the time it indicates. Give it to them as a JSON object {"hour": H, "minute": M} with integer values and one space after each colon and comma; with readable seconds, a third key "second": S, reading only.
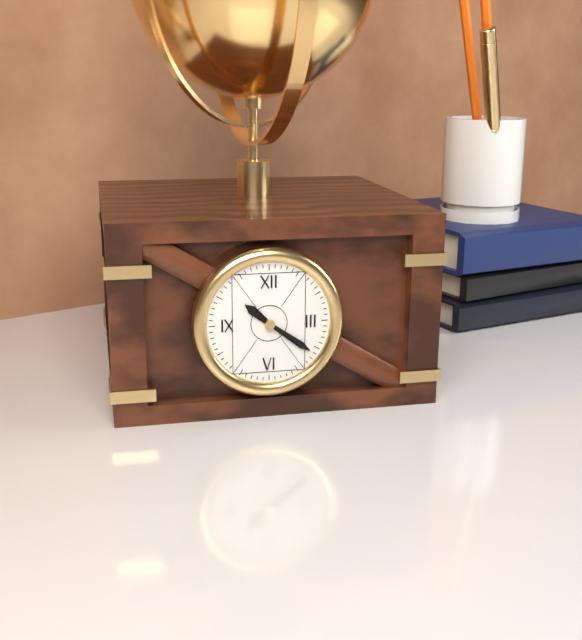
{"hour": 10, "minute": 21}
